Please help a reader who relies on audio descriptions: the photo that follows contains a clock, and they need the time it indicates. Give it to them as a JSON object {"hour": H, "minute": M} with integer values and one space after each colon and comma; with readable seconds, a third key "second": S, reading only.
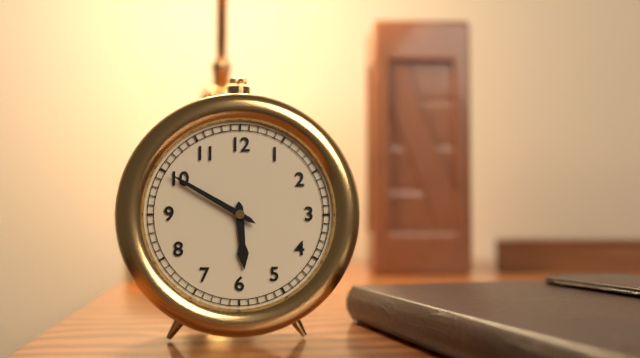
{"hour": 5, "minute": 50}
